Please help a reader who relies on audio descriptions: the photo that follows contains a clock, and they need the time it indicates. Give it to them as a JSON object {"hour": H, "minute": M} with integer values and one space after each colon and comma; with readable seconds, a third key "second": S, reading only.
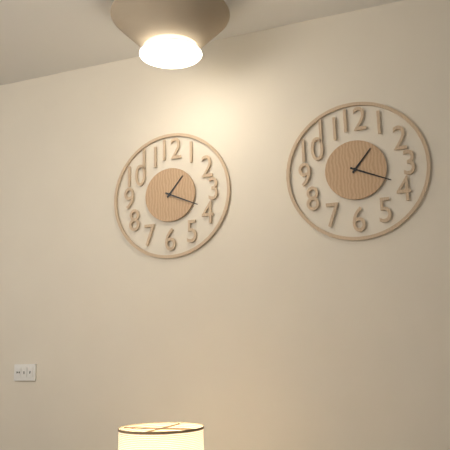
{"hour": 1, "minute": 19}
